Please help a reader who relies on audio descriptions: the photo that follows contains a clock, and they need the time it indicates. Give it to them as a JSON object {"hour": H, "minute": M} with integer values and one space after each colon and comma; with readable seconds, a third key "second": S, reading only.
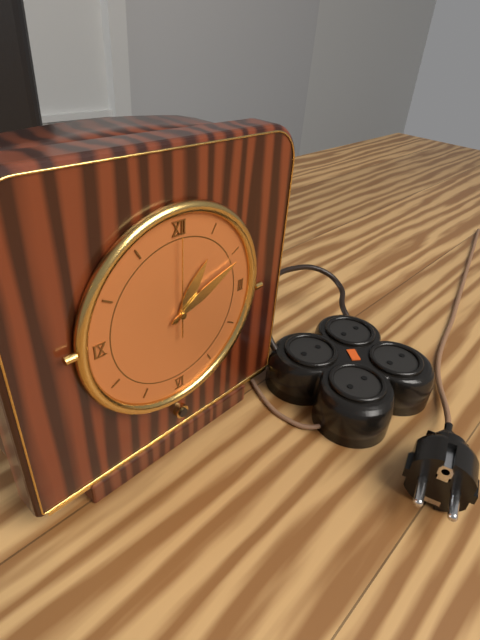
{"hour": 1, "minute": 11, "second": 0}
